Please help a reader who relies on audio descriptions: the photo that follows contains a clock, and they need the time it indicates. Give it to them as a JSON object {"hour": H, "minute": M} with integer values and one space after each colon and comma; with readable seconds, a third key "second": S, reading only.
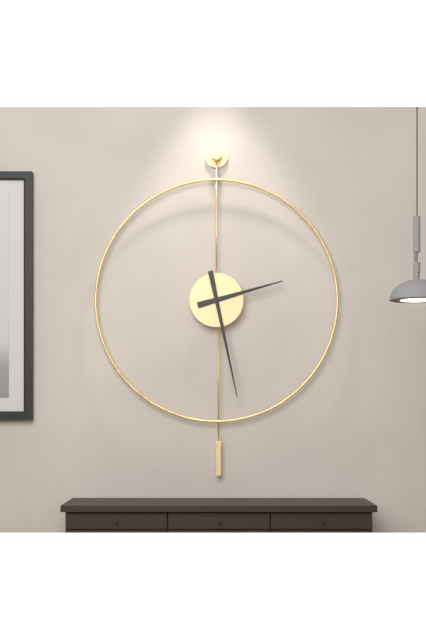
{"hour": 2, "minute": 28}
